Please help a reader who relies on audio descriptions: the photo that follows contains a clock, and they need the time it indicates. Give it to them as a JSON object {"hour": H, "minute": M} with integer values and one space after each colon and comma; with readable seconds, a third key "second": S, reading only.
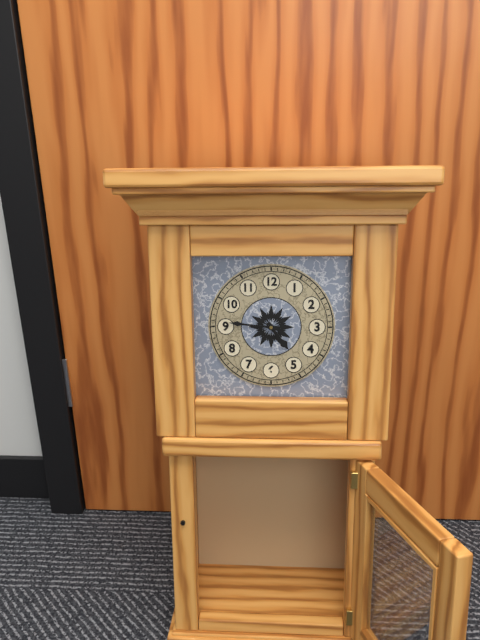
{"hour": 4, "minute": 46}
